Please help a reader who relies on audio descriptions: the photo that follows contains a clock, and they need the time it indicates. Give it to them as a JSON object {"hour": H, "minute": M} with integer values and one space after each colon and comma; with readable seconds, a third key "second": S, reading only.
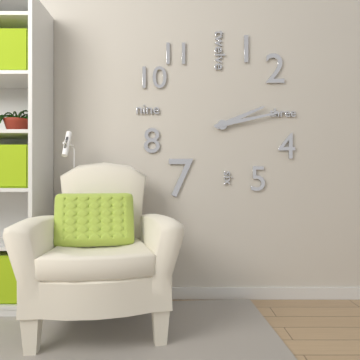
{"hour": 2, "minute": 13}
